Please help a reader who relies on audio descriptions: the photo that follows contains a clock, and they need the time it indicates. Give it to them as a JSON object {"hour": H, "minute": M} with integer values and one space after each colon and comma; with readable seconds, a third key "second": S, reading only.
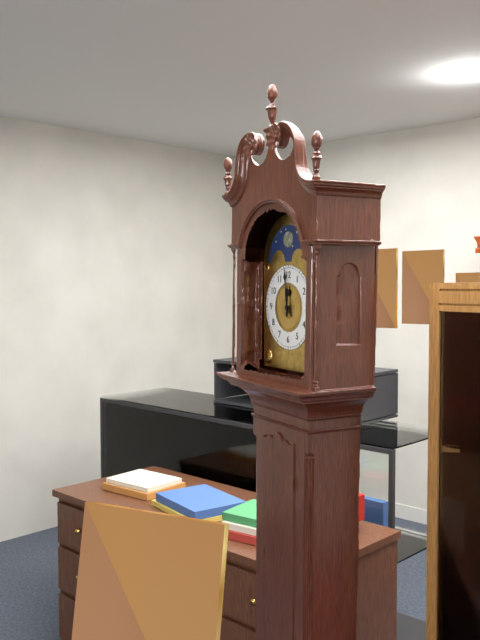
{"hour": 11, "minute": 59}
